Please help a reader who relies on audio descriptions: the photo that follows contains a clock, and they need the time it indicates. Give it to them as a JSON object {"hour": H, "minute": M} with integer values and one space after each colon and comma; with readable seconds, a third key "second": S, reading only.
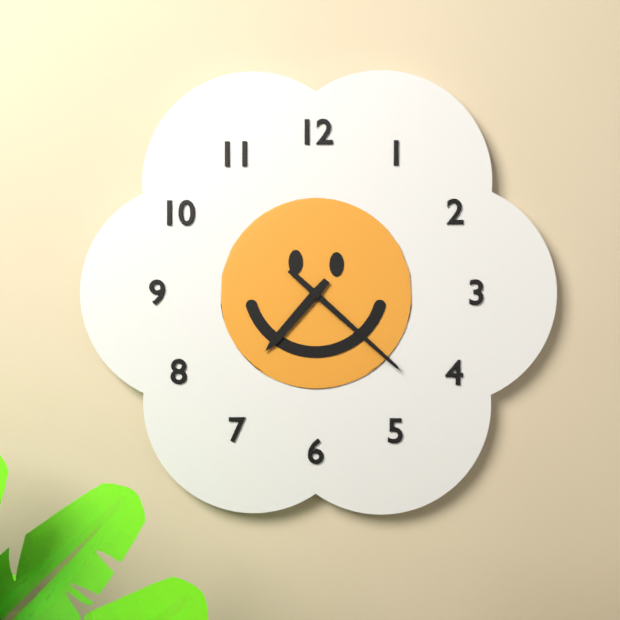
{"hour": 7, "minute": 22}
